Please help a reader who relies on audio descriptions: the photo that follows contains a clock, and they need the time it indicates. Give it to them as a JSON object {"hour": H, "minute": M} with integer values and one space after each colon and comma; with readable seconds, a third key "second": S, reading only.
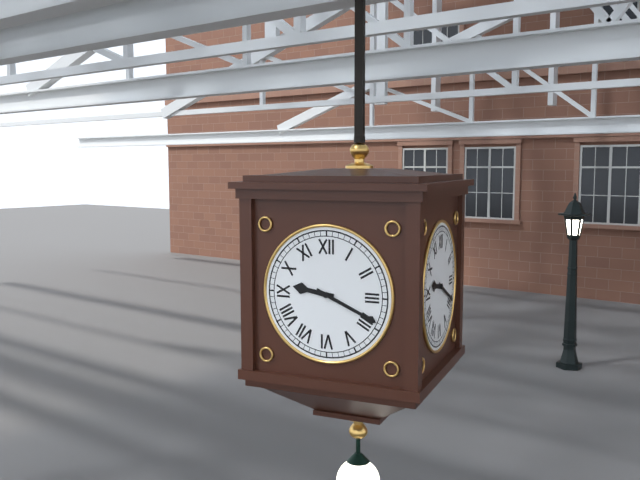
{"hour": 9, "minute": 19}
